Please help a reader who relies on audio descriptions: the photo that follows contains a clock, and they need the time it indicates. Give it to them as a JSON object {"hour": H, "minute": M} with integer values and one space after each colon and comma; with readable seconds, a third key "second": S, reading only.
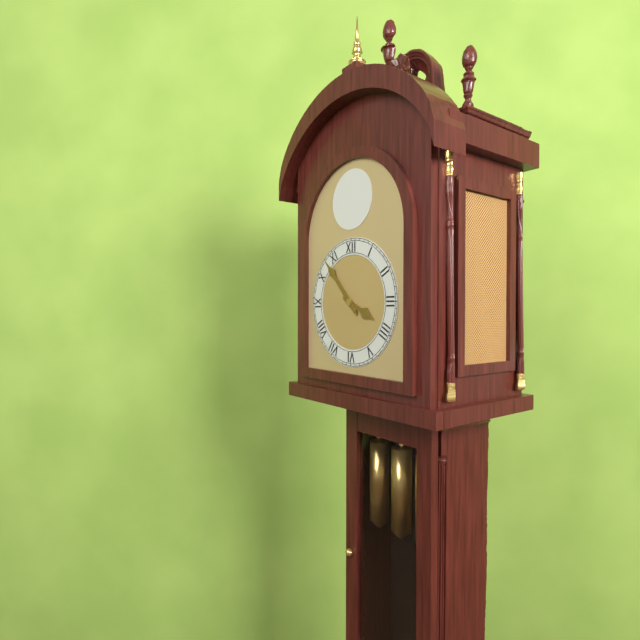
{"hour": 3, "minute": 53}
